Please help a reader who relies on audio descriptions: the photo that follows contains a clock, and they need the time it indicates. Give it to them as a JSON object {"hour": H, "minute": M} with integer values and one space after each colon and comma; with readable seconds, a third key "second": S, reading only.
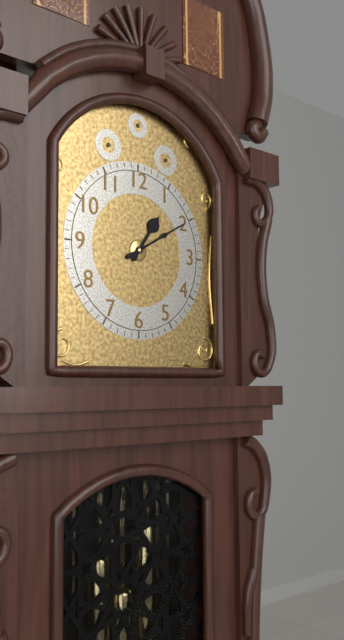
{"hour": 1, "minute": 10}
